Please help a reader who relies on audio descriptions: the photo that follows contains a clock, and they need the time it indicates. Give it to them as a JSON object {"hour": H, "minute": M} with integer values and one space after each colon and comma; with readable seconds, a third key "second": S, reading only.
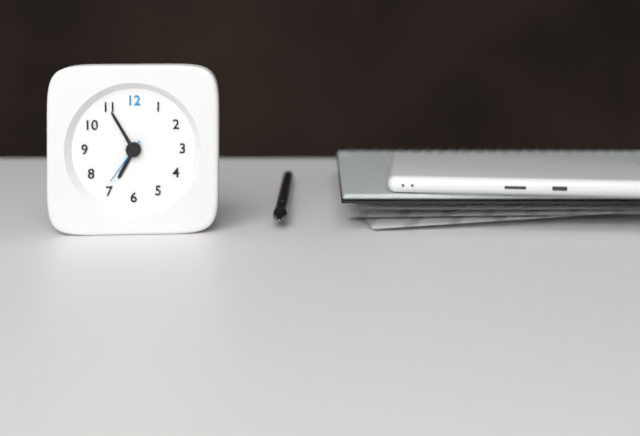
{"hour": 6, "minute": 55, "second": 36}
